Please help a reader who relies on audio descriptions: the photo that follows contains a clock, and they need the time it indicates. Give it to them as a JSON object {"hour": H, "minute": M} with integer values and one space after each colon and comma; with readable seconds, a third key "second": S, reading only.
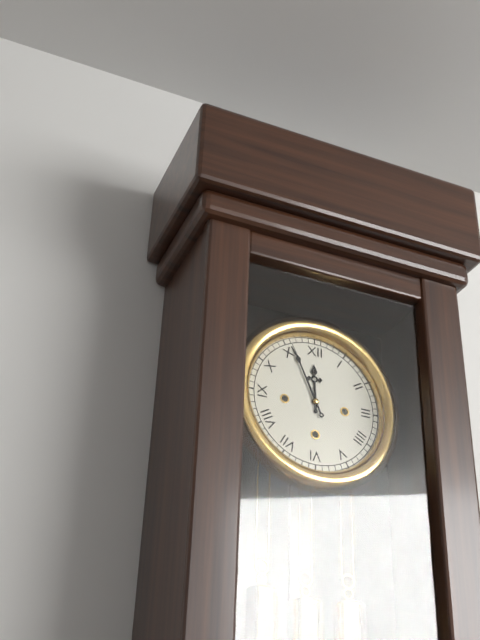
{"hour": 11, "minute": 56}
